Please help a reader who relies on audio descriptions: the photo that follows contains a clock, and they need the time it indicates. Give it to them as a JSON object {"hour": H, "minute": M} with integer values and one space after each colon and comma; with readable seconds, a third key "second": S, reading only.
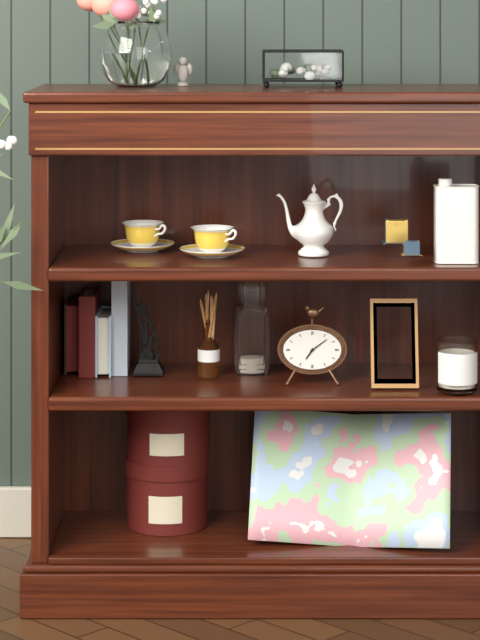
{"hour": 7, "minute": 9}
